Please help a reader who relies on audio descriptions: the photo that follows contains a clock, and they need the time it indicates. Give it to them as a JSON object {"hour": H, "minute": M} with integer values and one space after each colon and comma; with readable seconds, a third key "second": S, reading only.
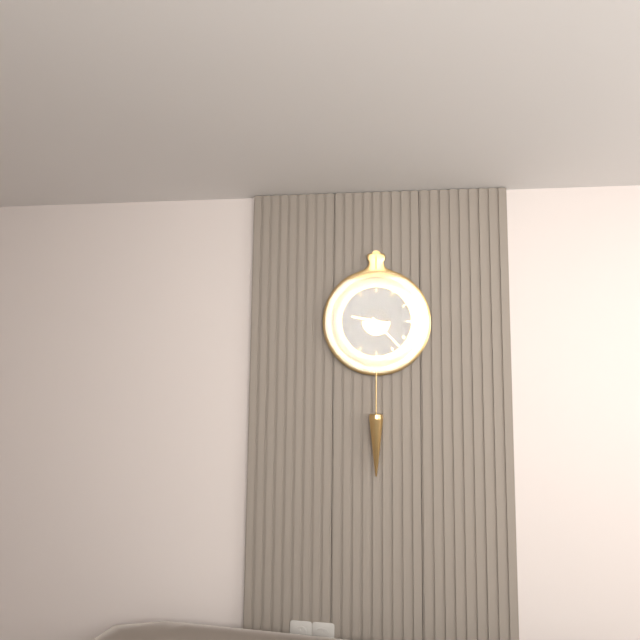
{"hour": 9, "minute": 23}
